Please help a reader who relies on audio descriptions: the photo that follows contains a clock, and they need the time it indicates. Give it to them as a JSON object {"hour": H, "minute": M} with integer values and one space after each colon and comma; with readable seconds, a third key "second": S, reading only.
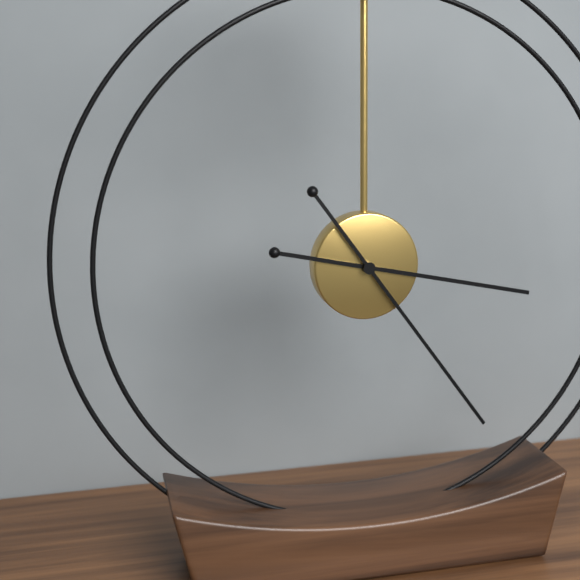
{"hour": 3, "minute": 24}
